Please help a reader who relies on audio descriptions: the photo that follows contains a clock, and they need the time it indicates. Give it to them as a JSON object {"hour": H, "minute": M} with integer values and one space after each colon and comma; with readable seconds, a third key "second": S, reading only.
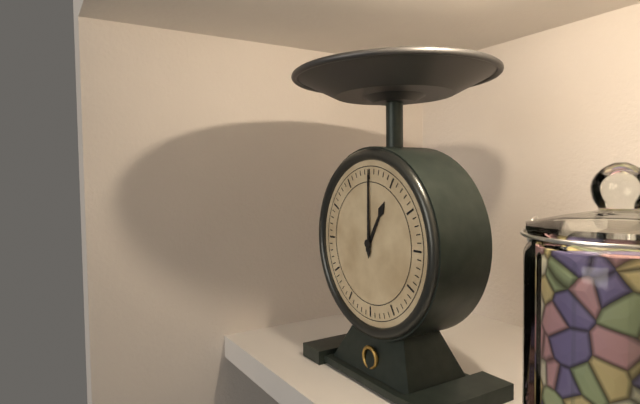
{"hour": 1, "minute": 0}
